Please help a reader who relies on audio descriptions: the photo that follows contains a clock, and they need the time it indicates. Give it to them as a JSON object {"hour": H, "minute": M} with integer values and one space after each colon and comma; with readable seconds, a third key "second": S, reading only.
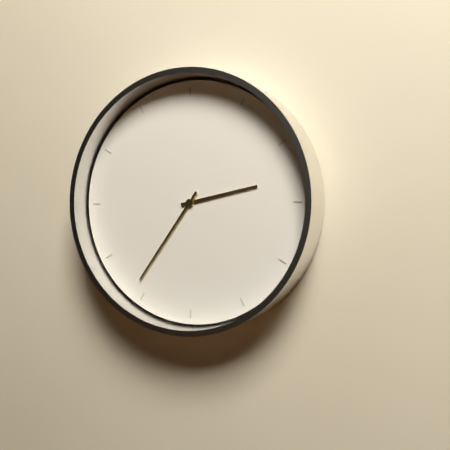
{"hour": 2, "minute": 36}
